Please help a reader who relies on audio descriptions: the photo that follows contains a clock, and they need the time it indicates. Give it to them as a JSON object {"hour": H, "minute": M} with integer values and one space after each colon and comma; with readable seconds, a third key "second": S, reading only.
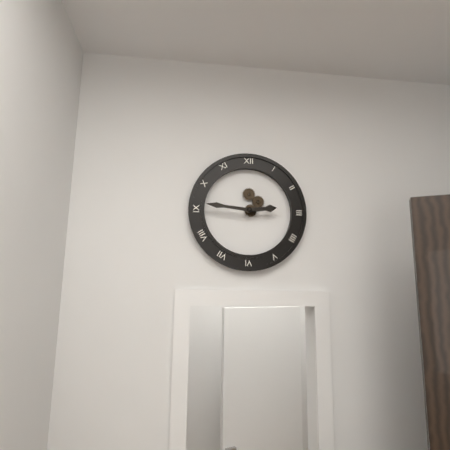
{"hour": 2, "minute": 46}
